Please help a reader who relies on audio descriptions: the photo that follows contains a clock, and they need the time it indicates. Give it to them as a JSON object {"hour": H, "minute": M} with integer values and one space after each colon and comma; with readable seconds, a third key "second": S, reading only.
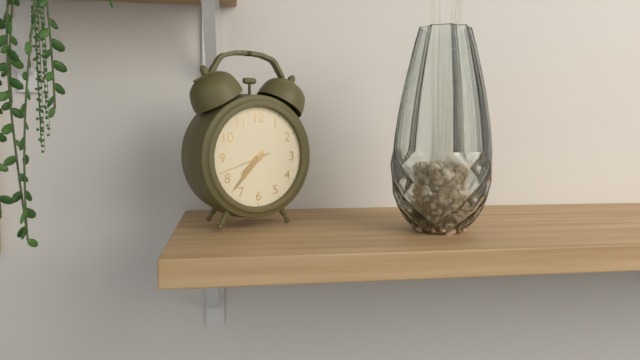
{"hour": 7, "minute": 37, "second": 42}
